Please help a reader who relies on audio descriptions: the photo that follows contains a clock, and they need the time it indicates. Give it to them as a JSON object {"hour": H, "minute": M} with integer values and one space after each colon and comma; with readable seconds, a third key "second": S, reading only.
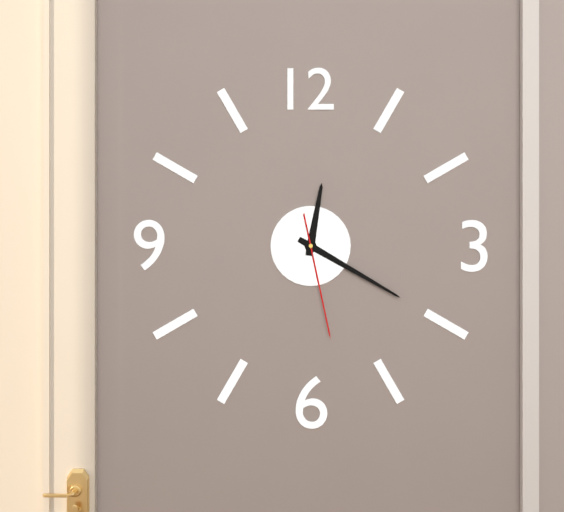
{"hour": 12, "minute": 20, "second": 28}
